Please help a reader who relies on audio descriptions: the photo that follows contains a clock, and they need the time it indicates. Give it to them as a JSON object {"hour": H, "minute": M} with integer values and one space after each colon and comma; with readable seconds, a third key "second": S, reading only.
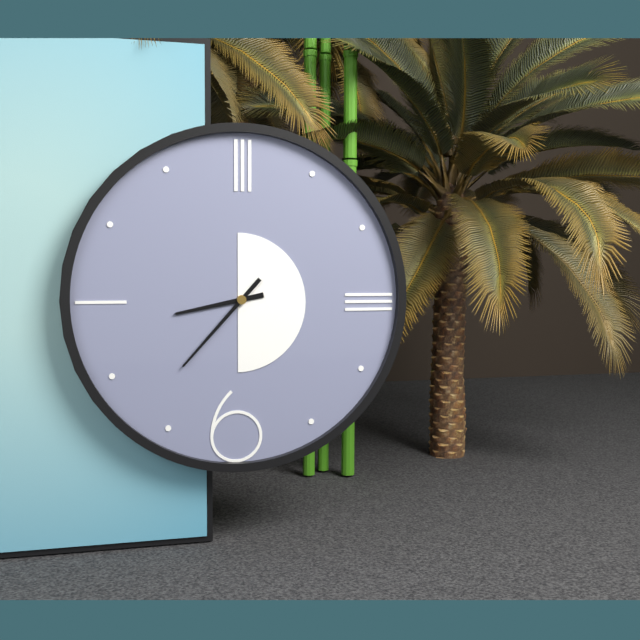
{"hour": 8, "minute": 37}
